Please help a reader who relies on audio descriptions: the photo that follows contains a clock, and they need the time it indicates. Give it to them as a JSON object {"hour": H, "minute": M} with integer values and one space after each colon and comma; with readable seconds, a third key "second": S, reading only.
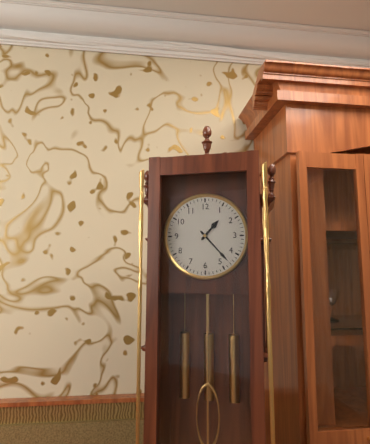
{"hour": 1, "minute": 23}
